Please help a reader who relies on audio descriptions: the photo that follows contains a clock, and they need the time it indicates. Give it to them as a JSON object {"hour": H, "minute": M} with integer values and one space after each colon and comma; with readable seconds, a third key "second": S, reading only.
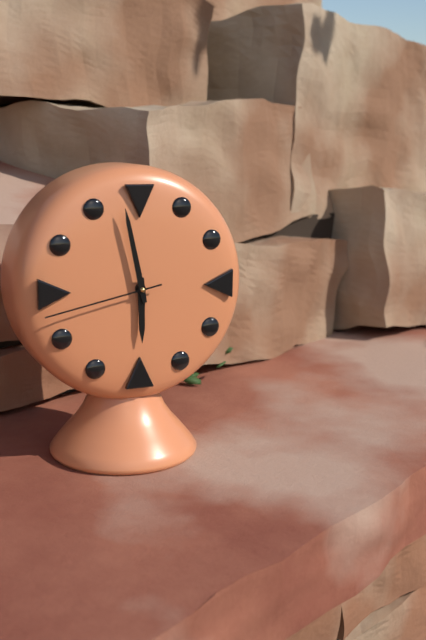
{"hour": 5, "minute": 58, "second": 43}
